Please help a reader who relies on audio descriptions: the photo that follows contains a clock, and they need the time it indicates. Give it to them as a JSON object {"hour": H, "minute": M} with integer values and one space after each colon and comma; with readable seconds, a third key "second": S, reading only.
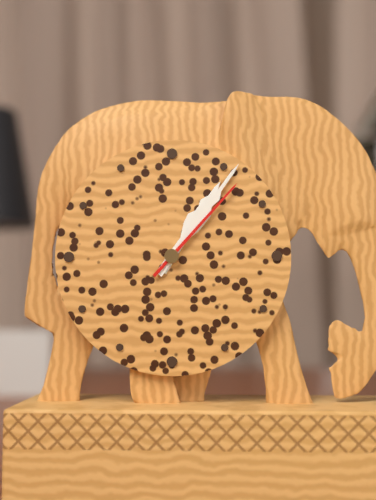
{"hour": 1, "minute": 6, "second": 7}
